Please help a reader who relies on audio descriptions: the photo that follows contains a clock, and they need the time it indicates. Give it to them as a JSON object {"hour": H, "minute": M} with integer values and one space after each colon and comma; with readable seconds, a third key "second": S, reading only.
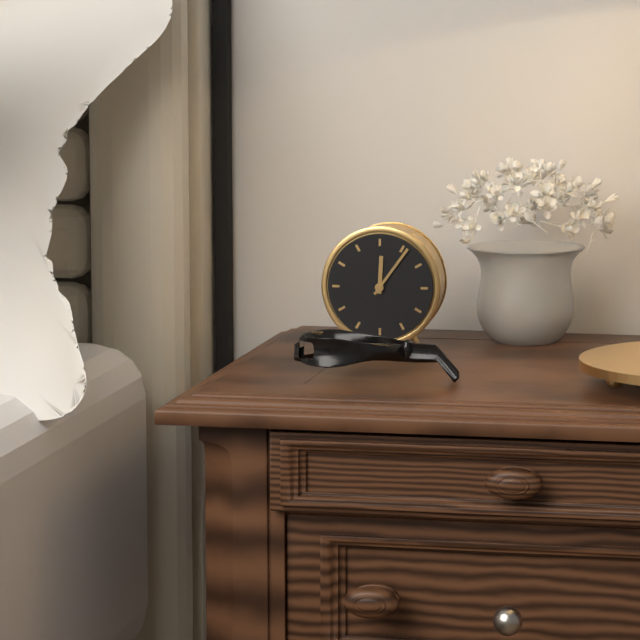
{"hour": 12, "minute": 6}
